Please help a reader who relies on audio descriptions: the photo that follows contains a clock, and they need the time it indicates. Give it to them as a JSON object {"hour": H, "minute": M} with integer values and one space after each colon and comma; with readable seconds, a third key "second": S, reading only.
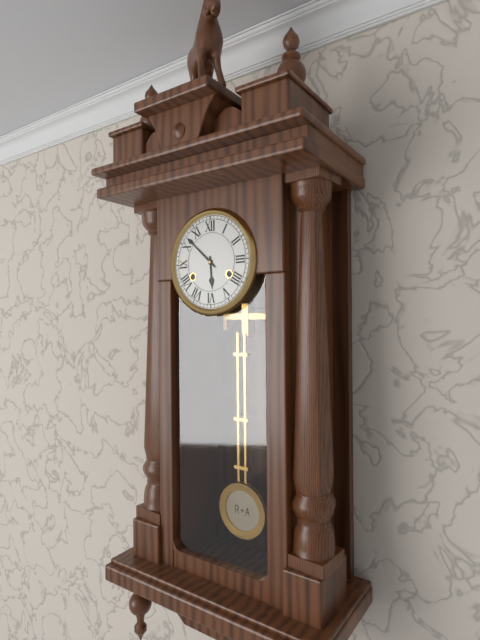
{"hour": 5, "minute": 52}
